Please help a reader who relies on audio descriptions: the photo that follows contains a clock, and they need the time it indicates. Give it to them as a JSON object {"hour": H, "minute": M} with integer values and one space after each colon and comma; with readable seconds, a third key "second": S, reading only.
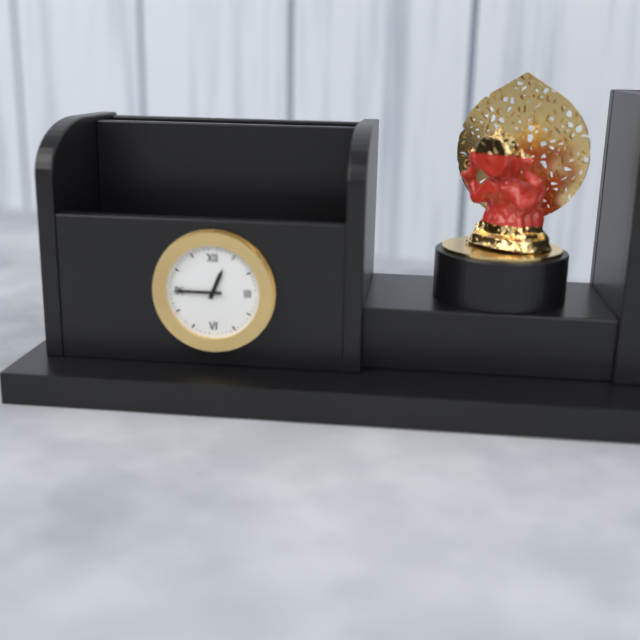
{"hour": 12, "minute": 45}
